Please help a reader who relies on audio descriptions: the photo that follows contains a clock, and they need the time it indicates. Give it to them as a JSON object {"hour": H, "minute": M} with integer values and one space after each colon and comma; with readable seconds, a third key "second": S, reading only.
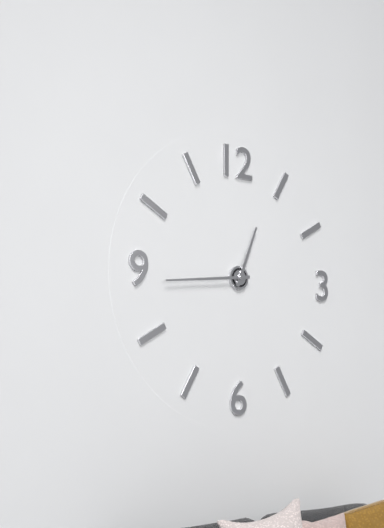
{"hour": 12, "minute": 44}
